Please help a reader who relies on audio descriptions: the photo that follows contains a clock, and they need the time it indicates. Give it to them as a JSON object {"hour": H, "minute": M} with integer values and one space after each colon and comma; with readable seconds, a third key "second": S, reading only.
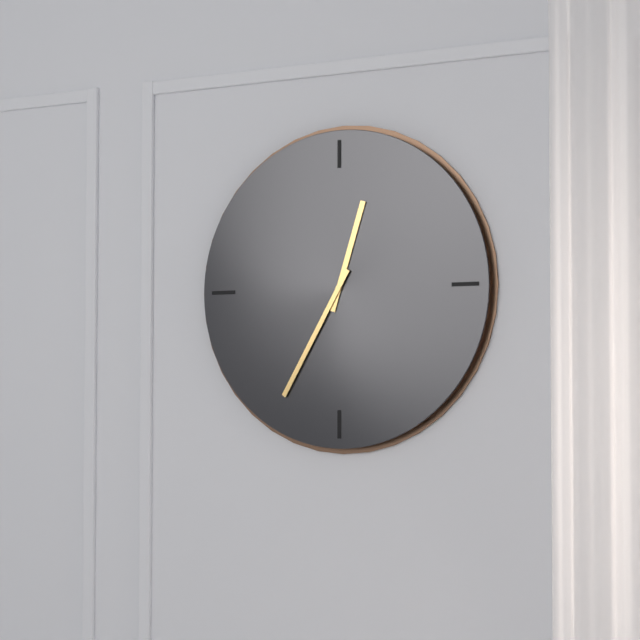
{"hour": 12, "minute": 35}
